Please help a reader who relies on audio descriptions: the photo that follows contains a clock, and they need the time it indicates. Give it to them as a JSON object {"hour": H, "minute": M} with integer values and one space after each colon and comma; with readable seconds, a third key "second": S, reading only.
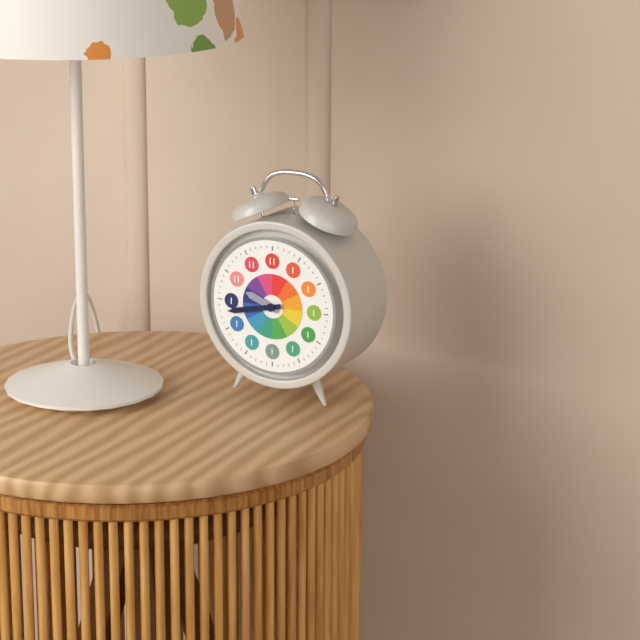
{"hour": 9, "minute": 43}
